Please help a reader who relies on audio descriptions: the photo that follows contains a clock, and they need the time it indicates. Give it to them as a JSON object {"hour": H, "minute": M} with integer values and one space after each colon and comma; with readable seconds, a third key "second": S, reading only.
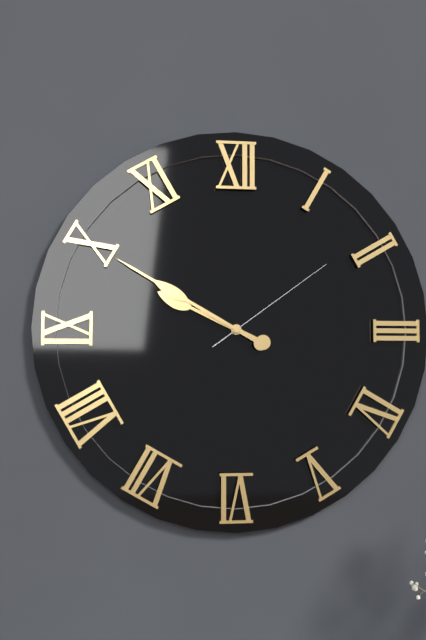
{"hour": 9, "minute": 50, "second": 9}
